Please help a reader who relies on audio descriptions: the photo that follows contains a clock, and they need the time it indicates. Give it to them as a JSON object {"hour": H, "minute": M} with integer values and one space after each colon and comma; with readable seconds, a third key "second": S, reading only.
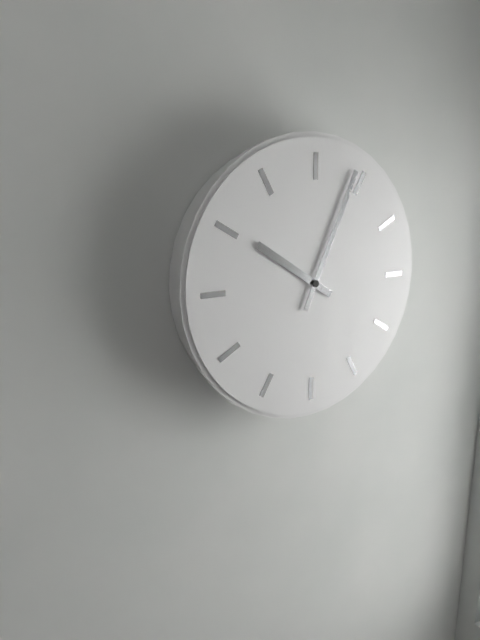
{"hour": 10, "minute": 4}
